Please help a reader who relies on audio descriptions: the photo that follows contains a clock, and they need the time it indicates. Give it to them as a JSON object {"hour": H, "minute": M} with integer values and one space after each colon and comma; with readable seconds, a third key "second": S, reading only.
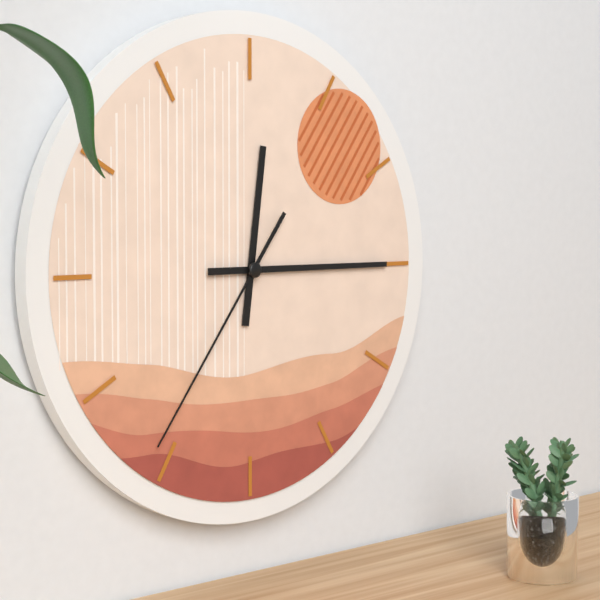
{"hour": 12, "minute": 15, "second": 36}
